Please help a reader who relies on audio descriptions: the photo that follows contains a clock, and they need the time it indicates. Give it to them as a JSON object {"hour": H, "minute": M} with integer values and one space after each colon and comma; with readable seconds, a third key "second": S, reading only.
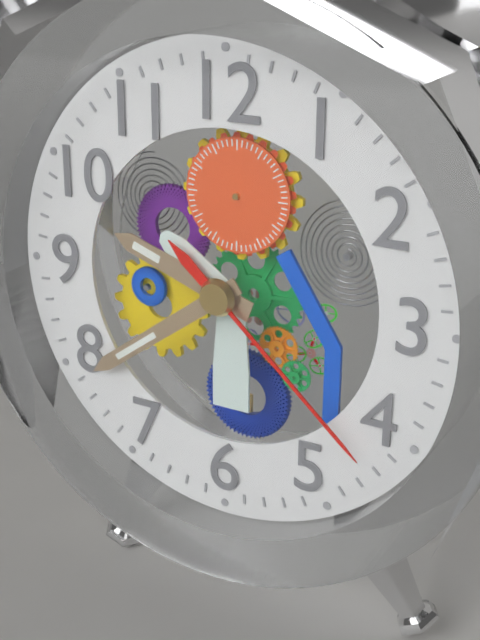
{"hour": 9, "minute": 39, "second": 22}
